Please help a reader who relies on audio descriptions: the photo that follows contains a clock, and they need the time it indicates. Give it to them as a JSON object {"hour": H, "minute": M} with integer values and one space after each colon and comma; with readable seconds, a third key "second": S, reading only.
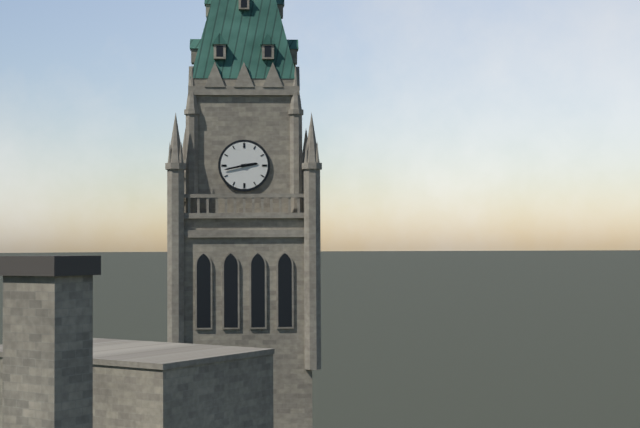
{"hour": 2, "minute": 43}
